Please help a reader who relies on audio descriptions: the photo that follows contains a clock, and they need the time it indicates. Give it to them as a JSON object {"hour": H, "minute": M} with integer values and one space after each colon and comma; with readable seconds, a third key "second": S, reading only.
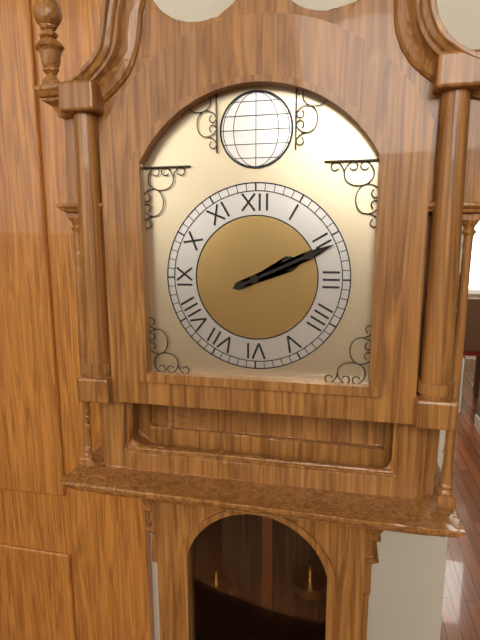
{"hour": 2, "minute": 11}
